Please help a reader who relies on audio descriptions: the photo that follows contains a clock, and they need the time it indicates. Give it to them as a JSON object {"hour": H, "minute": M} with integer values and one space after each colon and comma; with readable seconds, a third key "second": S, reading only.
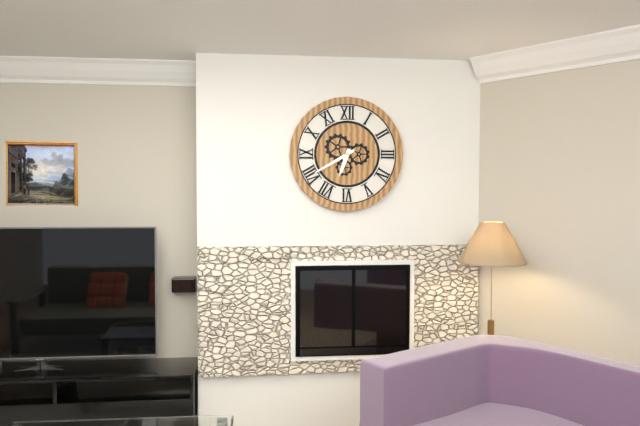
{"hour": 6, "minute": 40}
